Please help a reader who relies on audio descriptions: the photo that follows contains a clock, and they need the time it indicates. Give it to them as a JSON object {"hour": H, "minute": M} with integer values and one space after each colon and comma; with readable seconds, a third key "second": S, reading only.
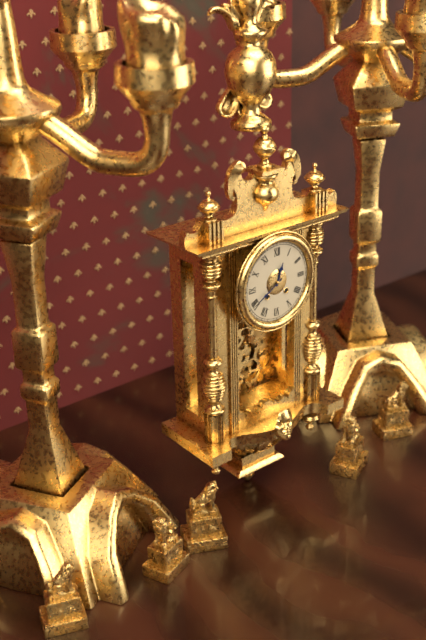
{"hour": 12, "minute": 40}
